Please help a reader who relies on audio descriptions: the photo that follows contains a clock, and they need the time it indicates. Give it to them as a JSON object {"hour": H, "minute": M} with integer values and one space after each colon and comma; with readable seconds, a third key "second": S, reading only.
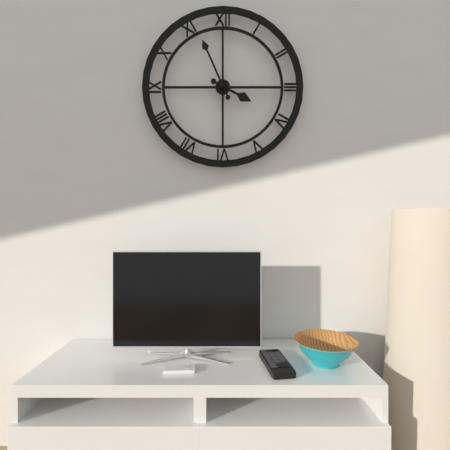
{"hour": 3, "minute": 56}
